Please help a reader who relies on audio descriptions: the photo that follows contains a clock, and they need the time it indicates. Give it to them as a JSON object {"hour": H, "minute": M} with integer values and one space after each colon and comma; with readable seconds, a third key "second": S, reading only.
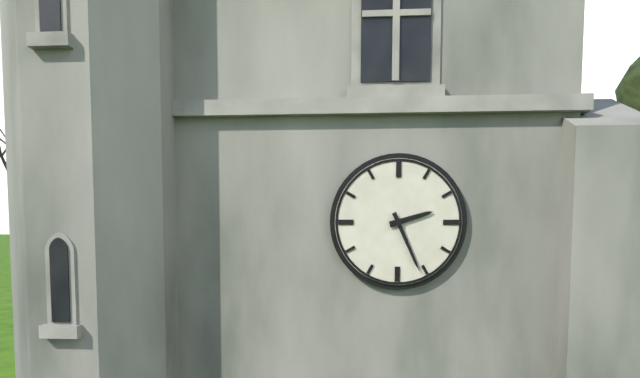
{"hour": 2, "minute": 26}
